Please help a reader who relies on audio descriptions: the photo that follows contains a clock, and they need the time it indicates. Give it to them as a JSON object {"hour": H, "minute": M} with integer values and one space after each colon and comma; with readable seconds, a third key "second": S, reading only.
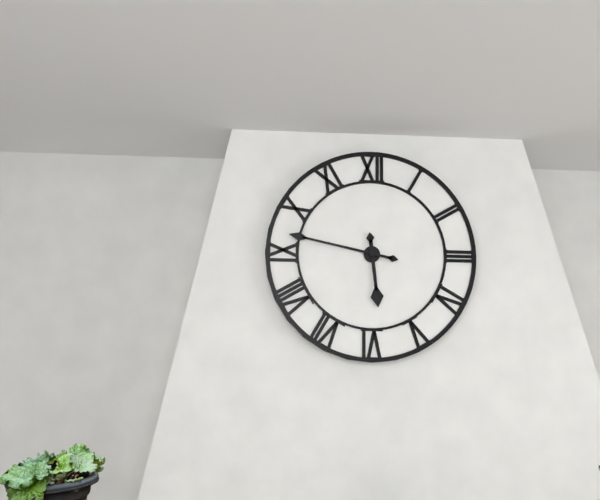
{"hour": 5, "minute": 47}
